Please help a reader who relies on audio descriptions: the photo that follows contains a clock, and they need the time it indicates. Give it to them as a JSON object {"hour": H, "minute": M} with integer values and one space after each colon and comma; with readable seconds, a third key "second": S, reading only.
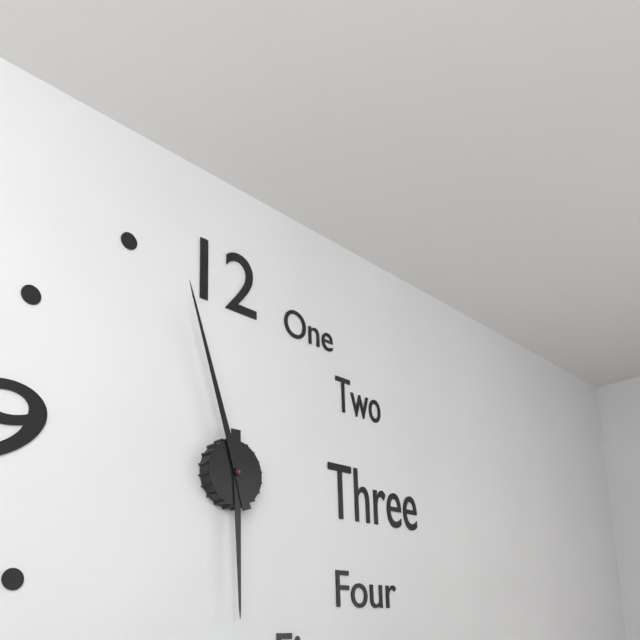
{"hour": 5, "minute": 57}
